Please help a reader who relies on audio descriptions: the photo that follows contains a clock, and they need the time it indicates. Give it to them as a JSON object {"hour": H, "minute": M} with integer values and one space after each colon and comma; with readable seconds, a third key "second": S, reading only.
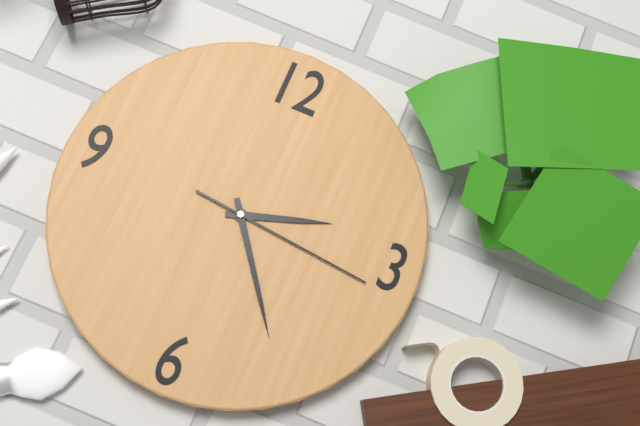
{"hour": 2, "minute": 24, "second": 16}
